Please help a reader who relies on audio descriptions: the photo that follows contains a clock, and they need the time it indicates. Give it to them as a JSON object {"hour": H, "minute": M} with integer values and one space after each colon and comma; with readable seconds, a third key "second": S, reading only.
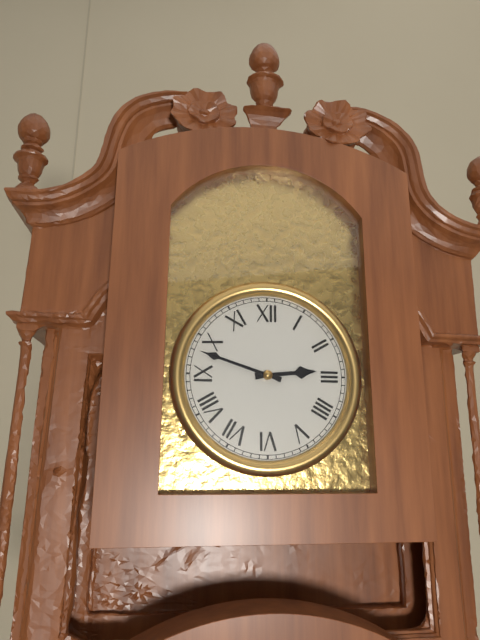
{"hour": 2, "minute": 48}
